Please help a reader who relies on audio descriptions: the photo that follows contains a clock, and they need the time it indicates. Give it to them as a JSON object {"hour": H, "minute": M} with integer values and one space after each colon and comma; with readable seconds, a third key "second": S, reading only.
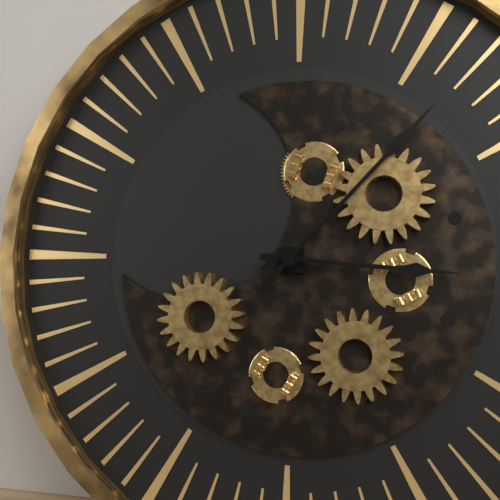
{"hour": 3, "minute": 7}
